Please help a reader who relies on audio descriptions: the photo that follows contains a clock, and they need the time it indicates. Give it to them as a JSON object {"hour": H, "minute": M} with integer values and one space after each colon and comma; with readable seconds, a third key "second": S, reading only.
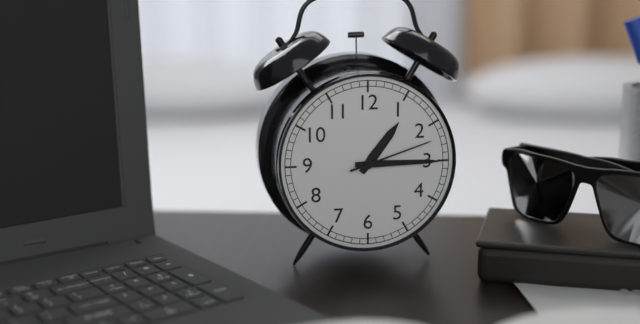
{"hour": 1, "minute": 15, "second": 12}
